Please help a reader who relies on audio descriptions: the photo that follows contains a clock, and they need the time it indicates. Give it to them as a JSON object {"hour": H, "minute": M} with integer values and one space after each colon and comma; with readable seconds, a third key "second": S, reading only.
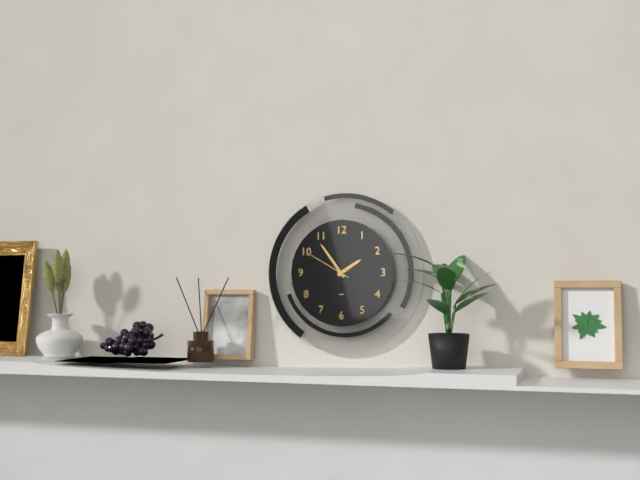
{"hour": 1, "minute": 54}
